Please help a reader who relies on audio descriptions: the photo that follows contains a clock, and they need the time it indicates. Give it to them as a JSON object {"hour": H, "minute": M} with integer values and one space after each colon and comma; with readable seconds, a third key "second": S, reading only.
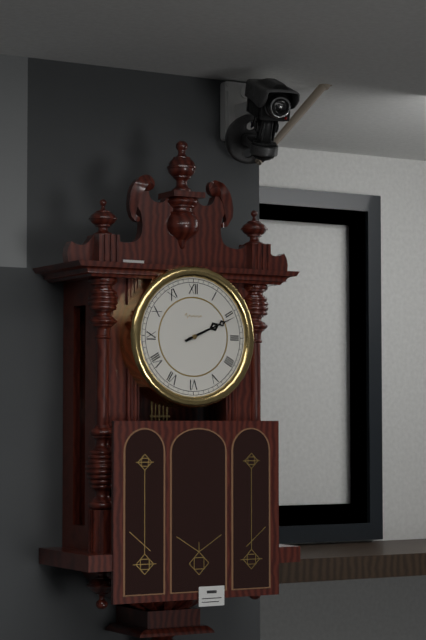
{"hour": 2, "minute": 11}
